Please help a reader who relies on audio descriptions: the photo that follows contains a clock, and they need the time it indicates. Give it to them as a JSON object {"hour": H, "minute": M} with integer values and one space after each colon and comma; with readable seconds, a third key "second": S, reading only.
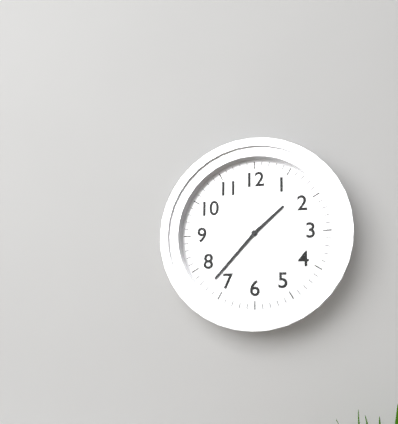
{"hour": 1, "minute": 37}
